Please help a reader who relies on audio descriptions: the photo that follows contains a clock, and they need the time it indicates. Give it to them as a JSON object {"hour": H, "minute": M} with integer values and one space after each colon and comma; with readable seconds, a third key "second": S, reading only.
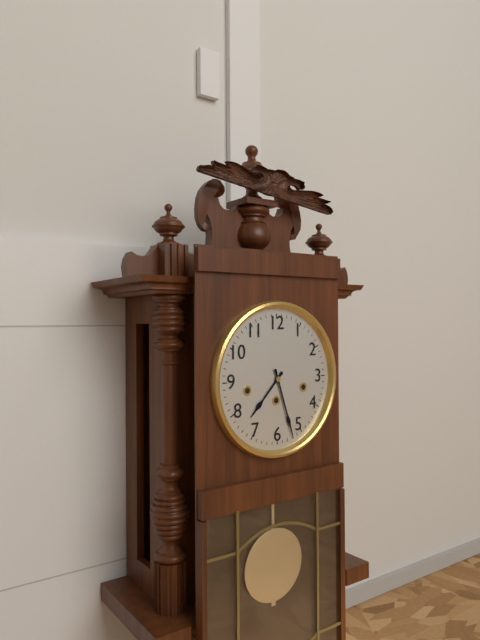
{"hour": 7, "minute": 27}
